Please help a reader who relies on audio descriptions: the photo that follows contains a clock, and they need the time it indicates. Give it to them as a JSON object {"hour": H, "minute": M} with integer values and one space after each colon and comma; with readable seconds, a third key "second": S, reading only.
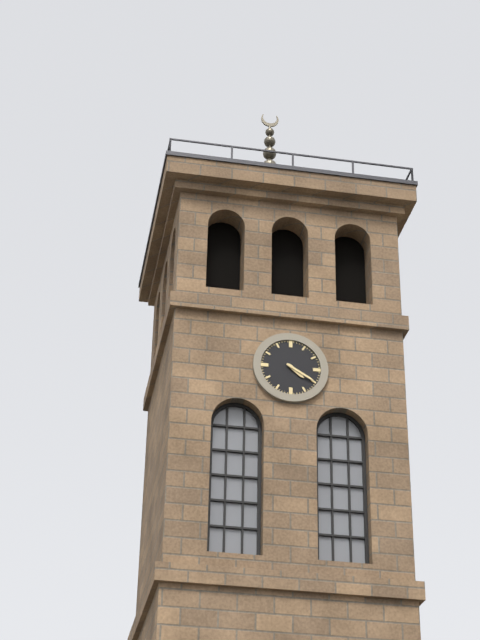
{"hour": 4, "minute": 20}
